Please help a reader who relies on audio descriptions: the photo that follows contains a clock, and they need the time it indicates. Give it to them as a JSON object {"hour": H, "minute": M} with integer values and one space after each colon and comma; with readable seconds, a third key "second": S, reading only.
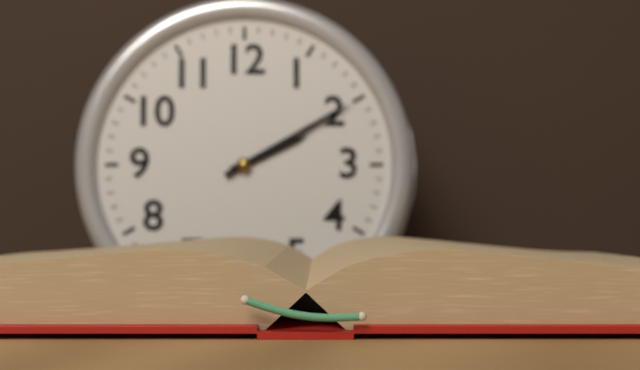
{"hour": 2, "minute": 10}
